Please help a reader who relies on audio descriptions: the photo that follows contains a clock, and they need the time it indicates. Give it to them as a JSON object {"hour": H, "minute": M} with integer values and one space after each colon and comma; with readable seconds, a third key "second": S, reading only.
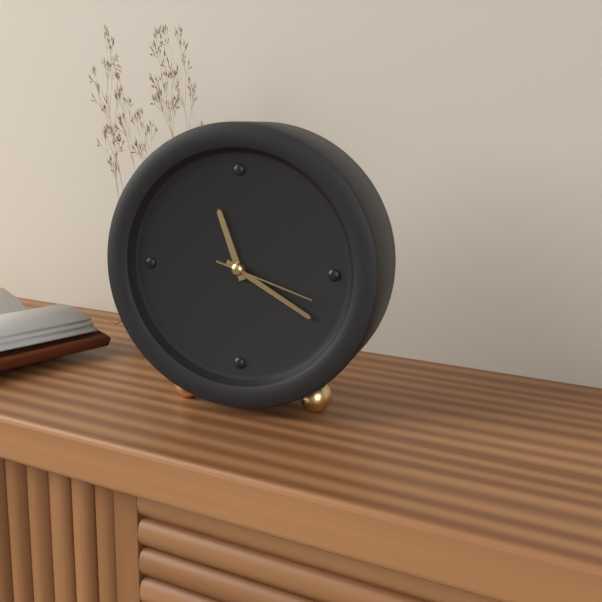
{"hour": 11, "minute": 20, "second": 18}
